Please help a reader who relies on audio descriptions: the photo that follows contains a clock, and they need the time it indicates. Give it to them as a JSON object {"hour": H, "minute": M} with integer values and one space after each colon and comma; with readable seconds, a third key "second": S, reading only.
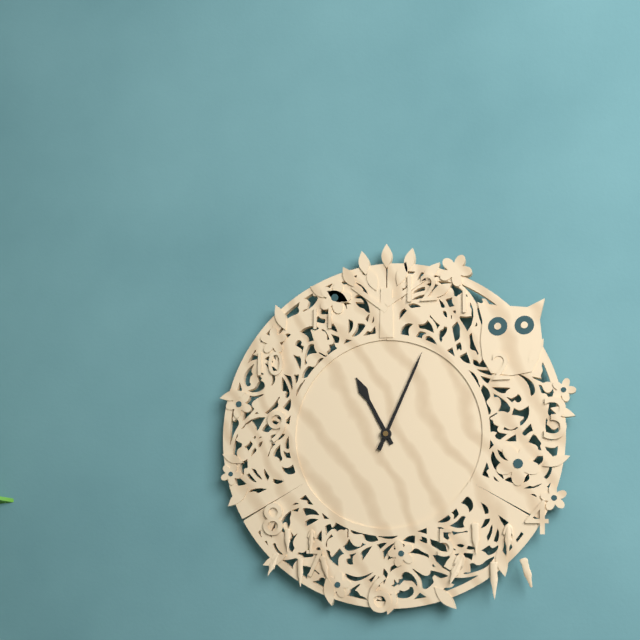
{"hour": 11, "minute": 4}
